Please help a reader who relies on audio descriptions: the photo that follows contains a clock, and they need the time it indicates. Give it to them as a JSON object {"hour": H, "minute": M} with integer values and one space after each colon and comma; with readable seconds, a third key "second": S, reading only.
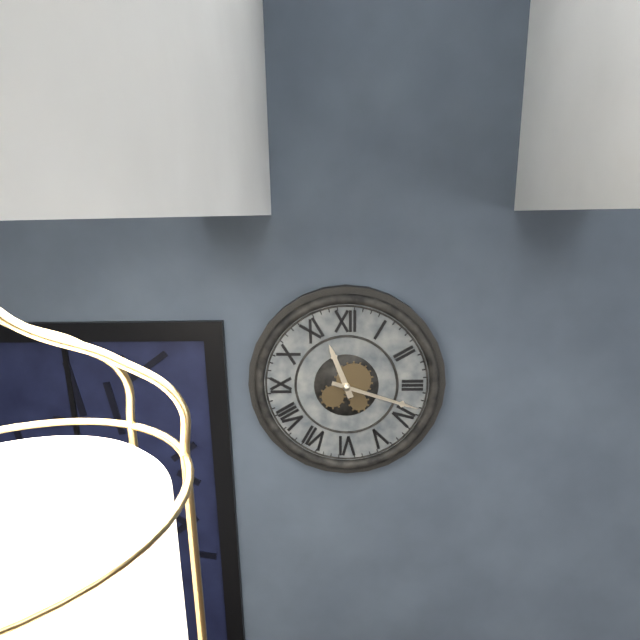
{"hour": 11, "minute": 18}
